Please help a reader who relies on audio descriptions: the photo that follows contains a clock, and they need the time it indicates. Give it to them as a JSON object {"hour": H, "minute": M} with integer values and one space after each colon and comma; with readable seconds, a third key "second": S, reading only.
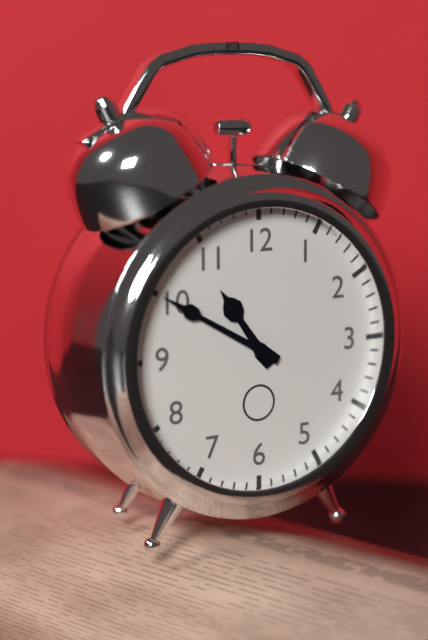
{"hour": 10, "minute": 50}
